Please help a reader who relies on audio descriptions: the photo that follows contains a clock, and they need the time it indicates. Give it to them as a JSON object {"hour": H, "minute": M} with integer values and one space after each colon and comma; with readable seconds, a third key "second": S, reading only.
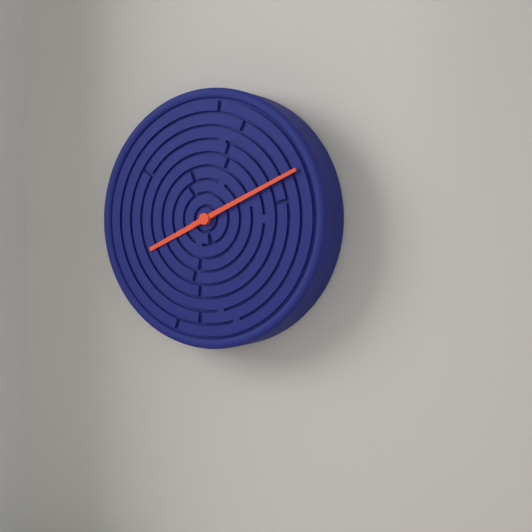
{"hour": 8, "minute": 11}
